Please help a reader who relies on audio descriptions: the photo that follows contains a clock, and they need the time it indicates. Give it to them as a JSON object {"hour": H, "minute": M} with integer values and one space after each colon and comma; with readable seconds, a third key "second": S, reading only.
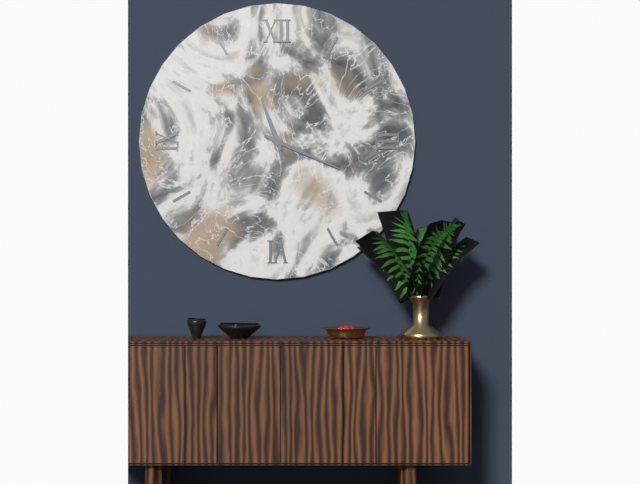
{"hour": 11, "minute": 19}
